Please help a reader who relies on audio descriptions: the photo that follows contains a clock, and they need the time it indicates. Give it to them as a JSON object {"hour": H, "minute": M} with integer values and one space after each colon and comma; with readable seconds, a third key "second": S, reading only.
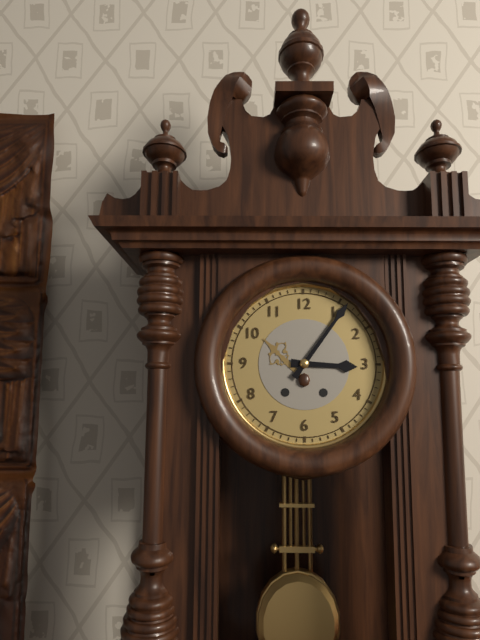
{"hour": 3, "minute": 6}
